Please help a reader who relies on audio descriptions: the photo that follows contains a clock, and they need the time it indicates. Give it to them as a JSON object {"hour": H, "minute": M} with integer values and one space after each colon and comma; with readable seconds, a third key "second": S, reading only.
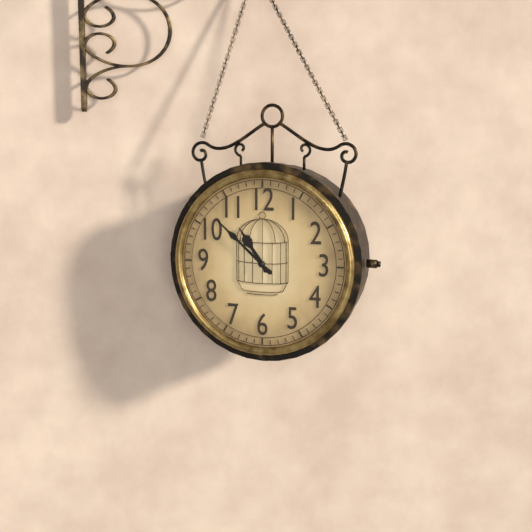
{"hour": 10, "minute": 52}
